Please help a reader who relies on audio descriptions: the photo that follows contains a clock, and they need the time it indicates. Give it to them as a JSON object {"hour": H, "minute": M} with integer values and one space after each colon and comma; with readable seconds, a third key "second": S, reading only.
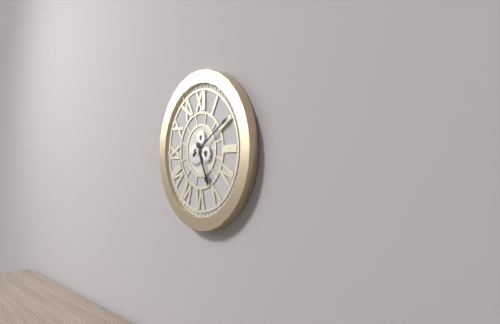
{"hour": 5, "minute": 10}
